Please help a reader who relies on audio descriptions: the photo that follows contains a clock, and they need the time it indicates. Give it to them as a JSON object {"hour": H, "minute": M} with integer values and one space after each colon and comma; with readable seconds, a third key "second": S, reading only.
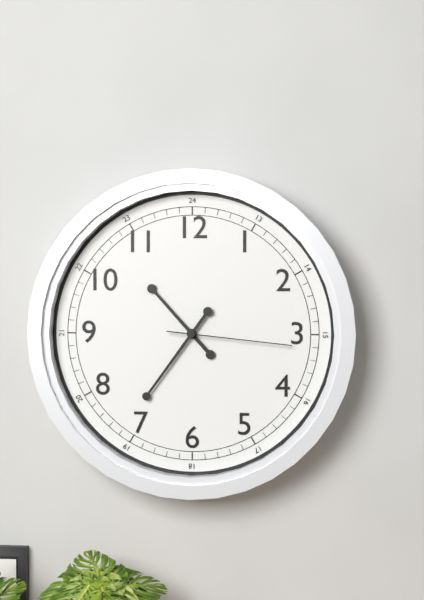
{"hour": 10, "minute": 36, "second": 16}
